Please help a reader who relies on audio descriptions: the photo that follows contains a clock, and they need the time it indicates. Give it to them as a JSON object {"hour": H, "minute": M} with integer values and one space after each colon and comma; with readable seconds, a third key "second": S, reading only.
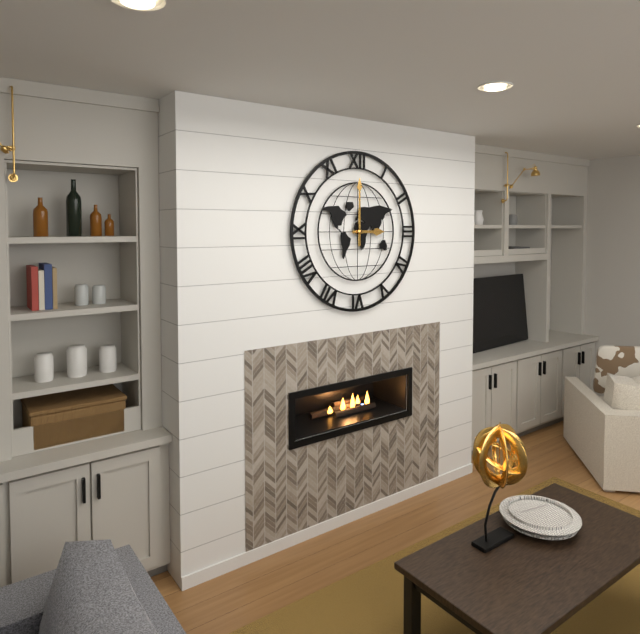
{"hour": 3, "minute": 0}
